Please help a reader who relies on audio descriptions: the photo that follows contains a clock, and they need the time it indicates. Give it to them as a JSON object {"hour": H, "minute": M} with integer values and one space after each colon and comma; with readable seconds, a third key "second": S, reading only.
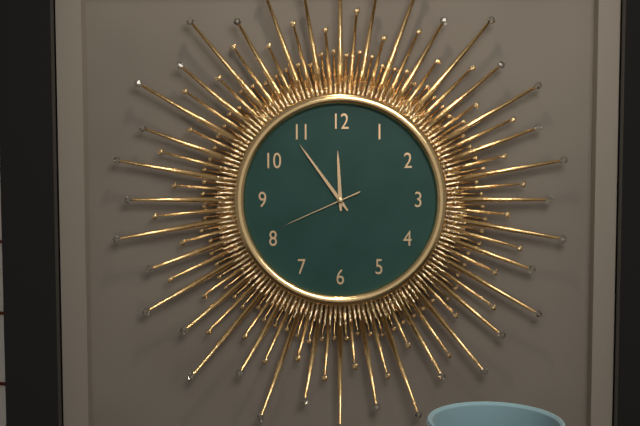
{"hour": 11, "minute": 54, "second": 41}
